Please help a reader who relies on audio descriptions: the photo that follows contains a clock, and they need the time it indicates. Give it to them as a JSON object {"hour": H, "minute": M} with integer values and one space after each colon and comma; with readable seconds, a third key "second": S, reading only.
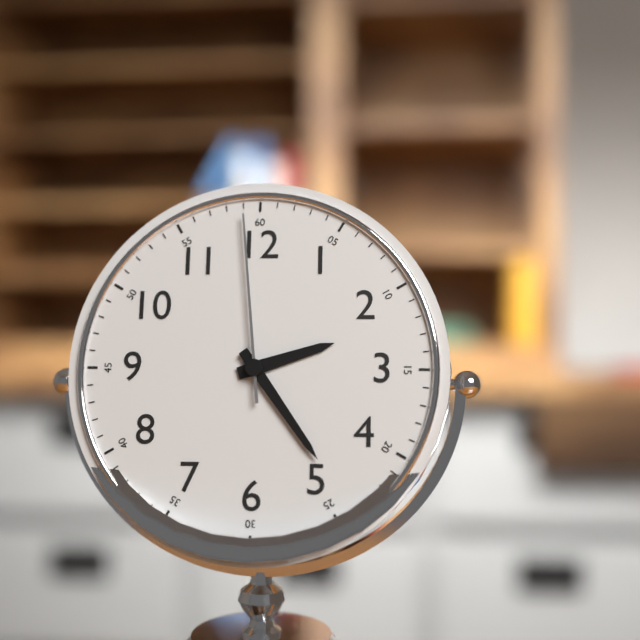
{"hour": 2, "minute": 24, "second": 59}
